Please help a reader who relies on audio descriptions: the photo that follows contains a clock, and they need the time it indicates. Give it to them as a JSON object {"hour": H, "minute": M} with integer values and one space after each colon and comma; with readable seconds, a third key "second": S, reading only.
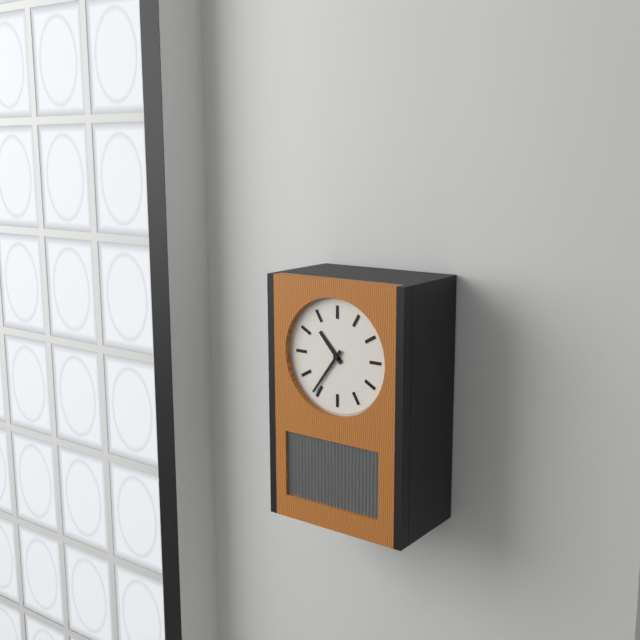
{"hour": 10, "minute": 36}
